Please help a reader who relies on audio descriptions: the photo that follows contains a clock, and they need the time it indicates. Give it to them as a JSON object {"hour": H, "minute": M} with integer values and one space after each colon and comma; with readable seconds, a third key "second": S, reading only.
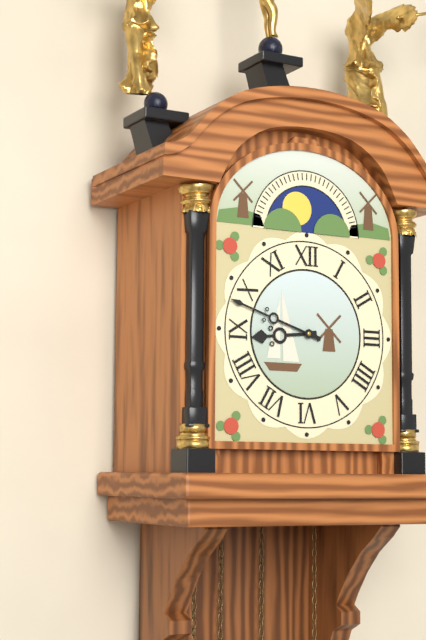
{"hour": 8, "minute": 48}
